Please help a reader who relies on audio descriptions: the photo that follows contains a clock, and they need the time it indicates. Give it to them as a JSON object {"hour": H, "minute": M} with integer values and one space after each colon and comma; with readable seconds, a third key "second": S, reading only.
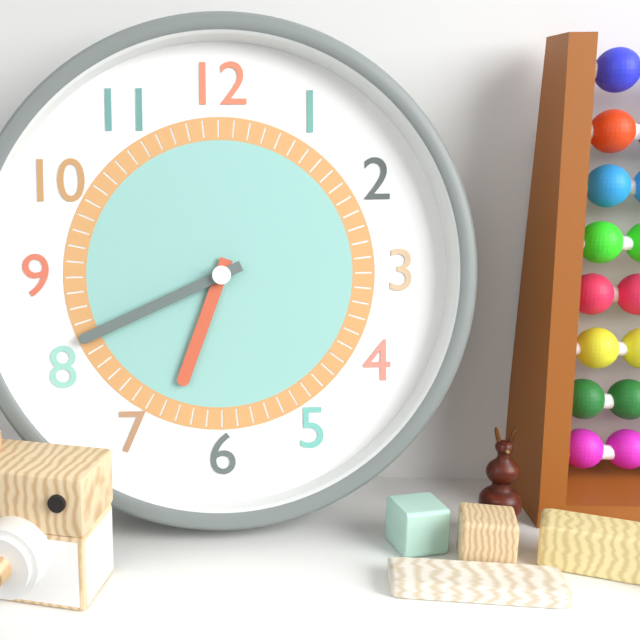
{"hour": 6, "minute": 41}
